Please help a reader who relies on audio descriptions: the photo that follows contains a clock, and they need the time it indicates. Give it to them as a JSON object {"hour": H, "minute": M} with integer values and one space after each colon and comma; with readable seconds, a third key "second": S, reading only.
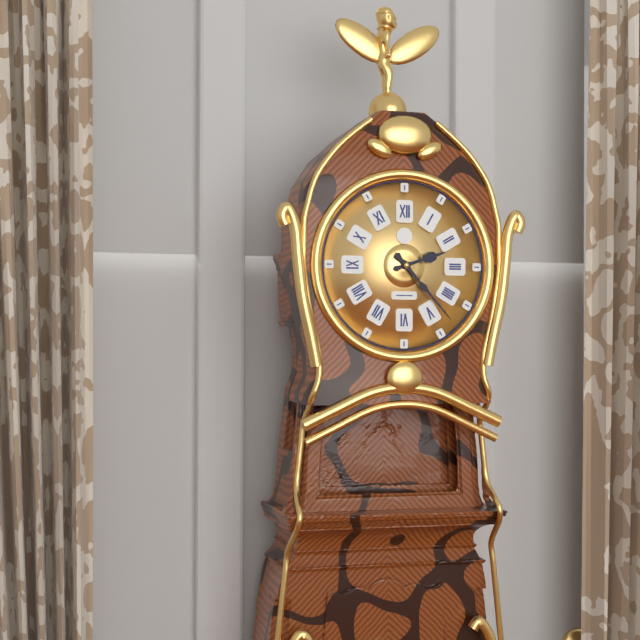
{"hour": 2, "minute": 23}
